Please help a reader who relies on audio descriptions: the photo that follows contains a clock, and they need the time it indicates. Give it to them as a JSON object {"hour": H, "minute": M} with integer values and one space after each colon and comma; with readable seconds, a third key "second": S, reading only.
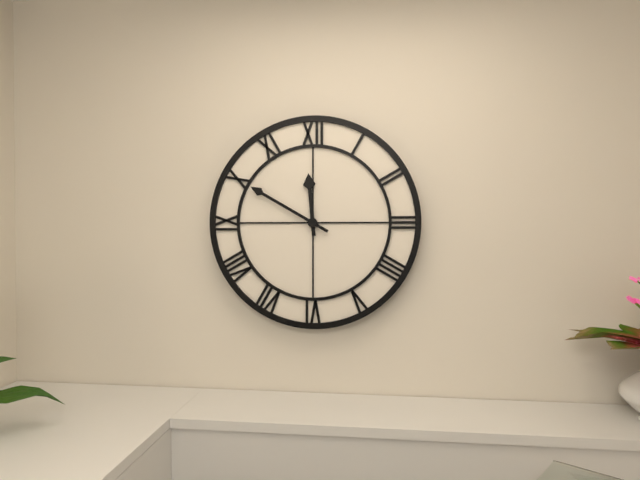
{"hour": 11, "minute": 50}
